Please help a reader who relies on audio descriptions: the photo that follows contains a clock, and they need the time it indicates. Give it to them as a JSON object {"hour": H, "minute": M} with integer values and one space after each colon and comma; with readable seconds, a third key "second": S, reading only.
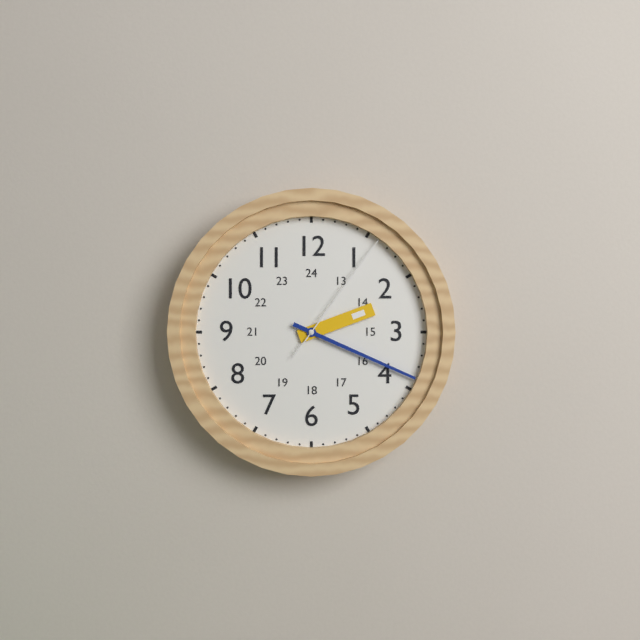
{"hour": 2, "minute": 19, "second": 6}
